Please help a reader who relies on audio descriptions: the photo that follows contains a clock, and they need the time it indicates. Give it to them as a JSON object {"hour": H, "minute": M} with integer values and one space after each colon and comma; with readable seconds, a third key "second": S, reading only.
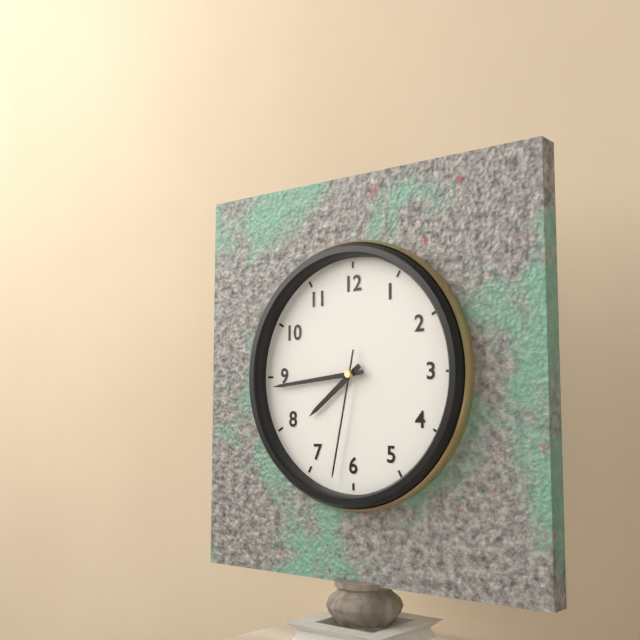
{"hour": 7, "minute": 44, "second": 32}
